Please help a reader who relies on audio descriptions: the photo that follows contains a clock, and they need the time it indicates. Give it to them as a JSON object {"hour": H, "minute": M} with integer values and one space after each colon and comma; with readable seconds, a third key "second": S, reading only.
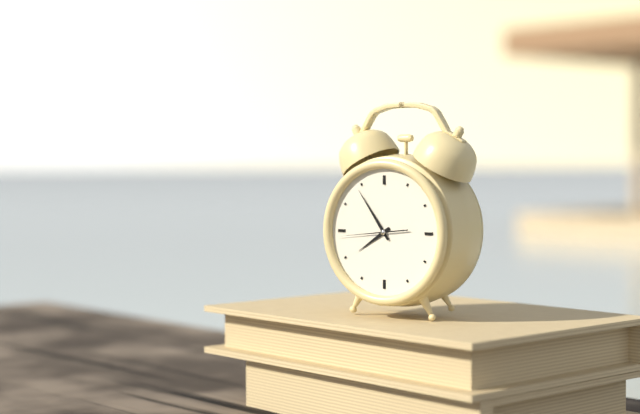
{"hour": 7, "minute": 54, "second": 44}
